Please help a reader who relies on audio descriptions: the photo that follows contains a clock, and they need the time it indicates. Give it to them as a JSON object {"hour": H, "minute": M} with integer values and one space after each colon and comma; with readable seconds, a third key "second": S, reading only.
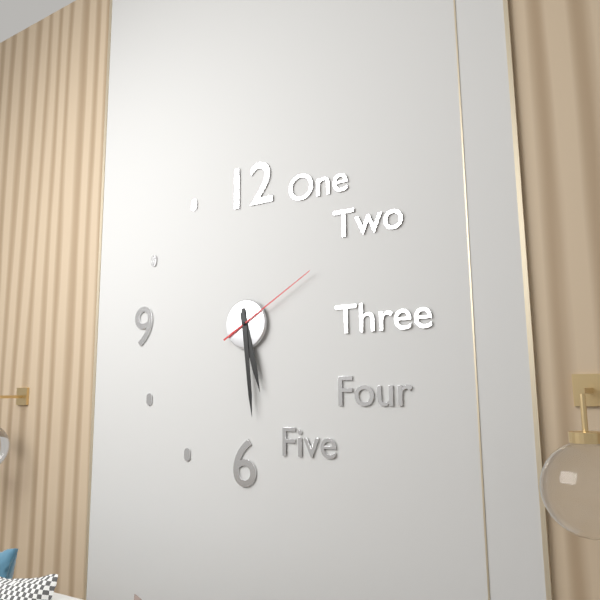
{"hour": 5, "minute": 29, "second": 10}
